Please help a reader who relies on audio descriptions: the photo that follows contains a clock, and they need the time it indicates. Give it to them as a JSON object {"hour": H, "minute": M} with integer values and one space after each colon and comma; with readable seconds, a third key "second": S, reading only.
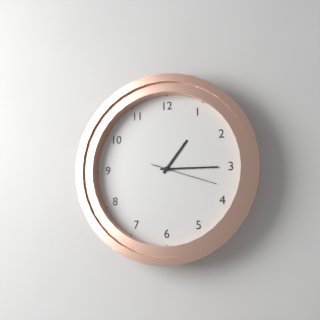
{"hour": 1, "minute": 15, "second": 18}
